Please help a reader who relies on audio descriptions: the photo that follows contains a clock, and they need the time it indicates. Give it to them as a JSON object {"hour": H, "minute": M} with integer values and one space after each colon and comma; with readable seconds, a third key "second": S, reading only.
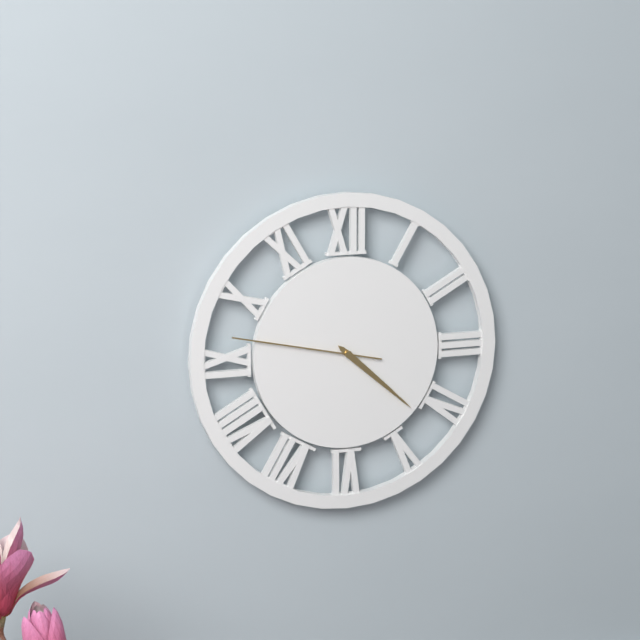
{"hour": 4, "minute": 22, "second": 47}
